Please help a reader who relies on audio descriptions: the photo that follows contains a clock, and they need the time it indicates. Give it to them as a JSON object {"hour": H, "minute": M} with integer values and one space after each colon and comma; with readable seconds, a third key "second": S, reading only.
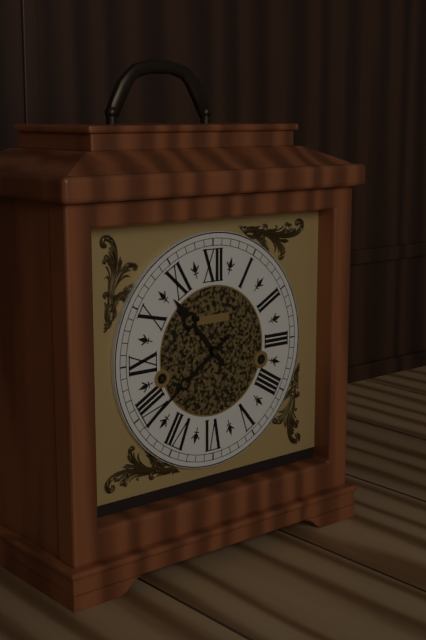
{"hour": 10, "minute": 39}
